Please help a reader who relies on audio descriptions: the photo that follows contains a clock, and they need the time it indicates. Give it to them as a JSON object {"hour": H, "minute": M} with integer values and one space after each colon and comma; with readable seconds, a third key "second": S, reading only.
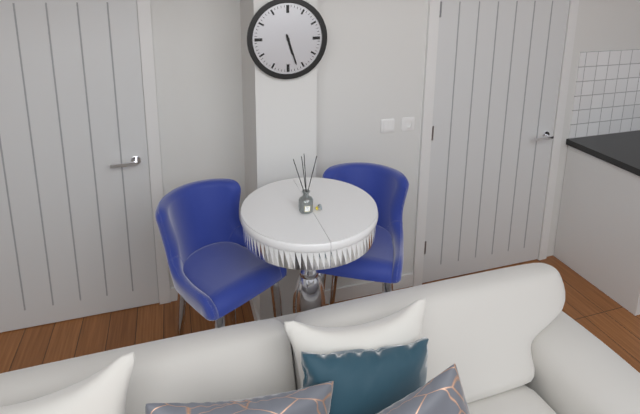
{"hour": 5, "minute": 27}
